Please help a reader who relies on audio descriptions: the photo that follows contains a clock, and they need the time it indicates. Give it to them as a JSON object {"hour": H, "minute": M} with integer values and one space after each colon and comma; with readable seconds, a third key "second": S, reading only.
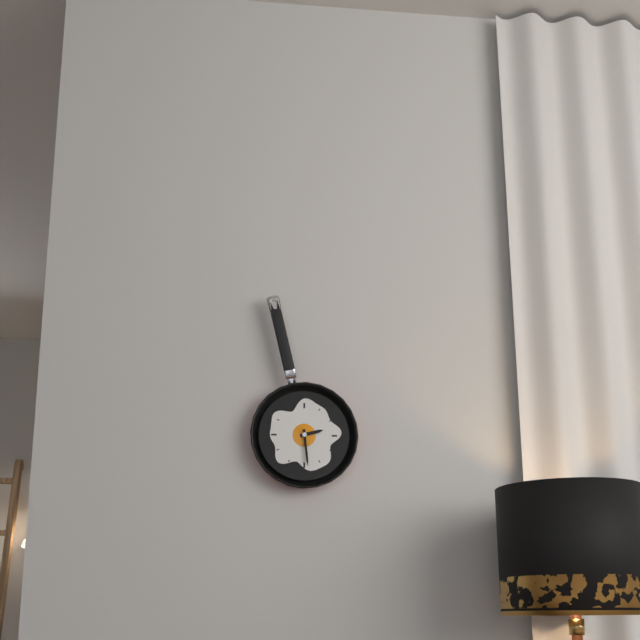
{"hour": 2, "minute": 29}
